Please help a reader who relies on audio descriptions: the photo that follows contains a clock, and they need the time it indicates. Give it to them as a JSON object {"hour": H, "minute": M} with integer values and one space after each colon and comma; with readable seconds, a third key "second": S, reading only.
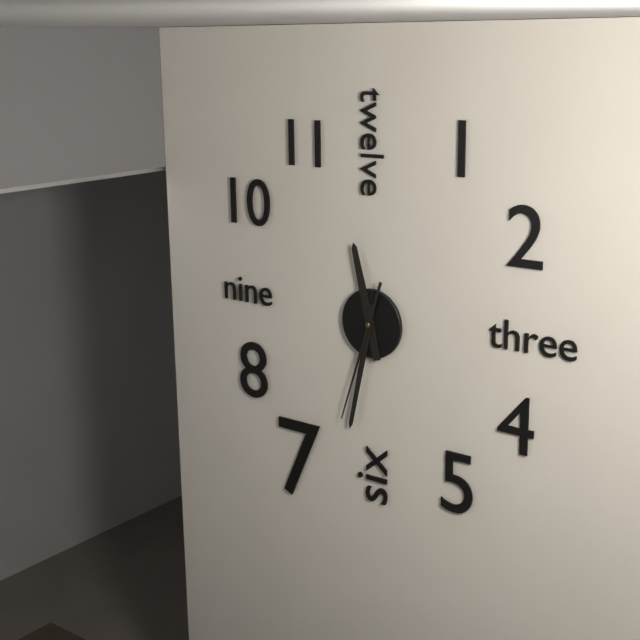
{"hour": 11, "minute": 32, "second": 33}
